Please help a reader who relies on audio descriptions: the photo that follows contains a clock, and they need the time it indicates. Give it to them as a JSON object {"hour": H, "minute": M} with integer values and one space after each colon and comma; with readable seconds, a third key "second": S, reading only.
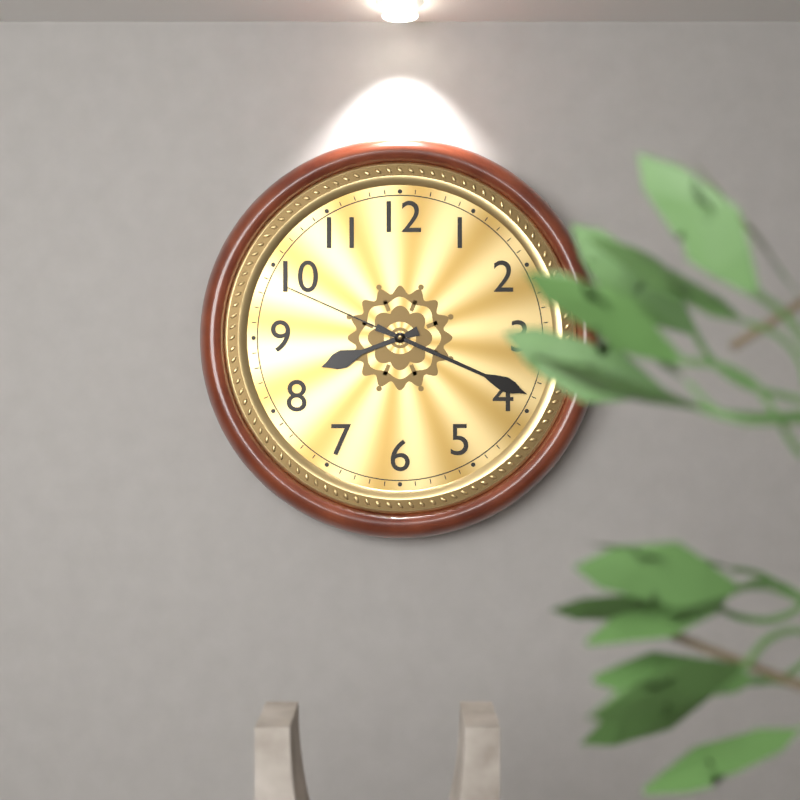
{"hour": 8, "minute": 19, "second": 49}
